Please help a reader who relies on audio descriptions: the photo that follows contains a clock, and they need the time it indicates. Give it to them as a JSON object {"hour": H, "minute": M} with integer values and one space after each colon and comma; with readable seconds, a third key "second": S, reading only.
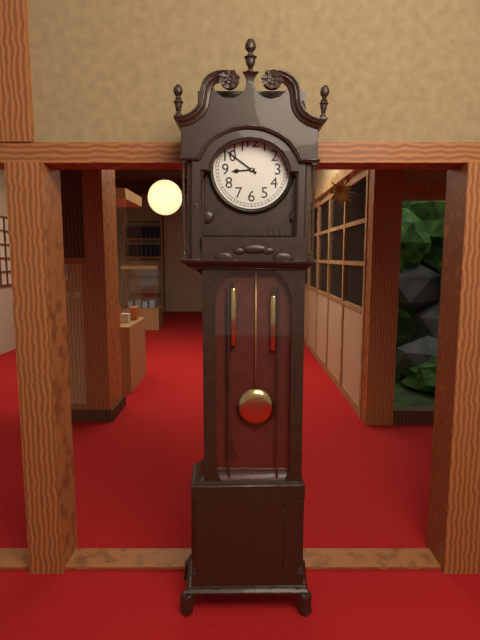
{"hour": 8, "minute": 51}
